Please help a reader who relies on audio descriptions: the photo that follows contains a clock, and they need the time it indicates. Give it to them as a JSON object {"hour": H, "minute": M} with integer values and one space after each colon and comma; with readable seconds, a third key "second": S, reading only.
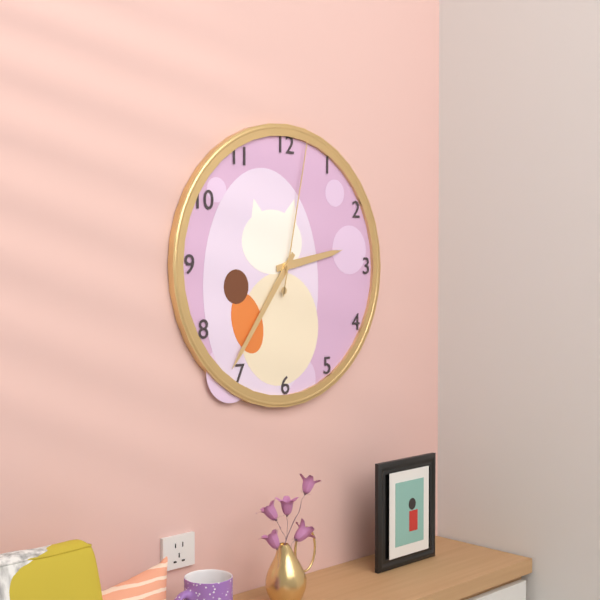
{"hour": 2, "minute": 36, "second": 2}
